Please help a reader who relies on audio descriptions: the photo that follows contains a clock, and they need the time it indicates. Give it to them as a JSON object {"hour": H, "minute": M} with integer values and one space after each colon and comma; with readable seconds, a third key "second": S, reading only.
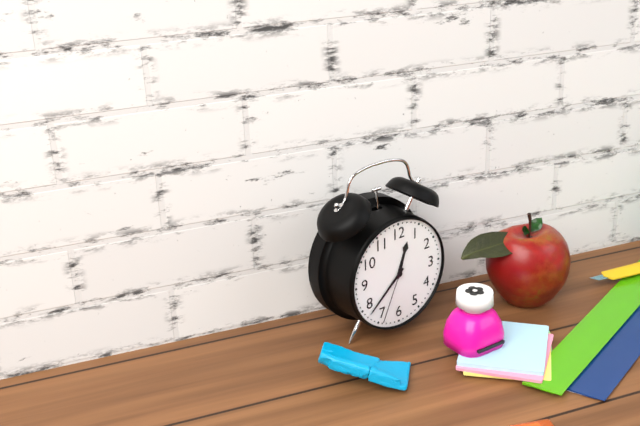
{"hour": 12, "minute": 38, "second": 34}
